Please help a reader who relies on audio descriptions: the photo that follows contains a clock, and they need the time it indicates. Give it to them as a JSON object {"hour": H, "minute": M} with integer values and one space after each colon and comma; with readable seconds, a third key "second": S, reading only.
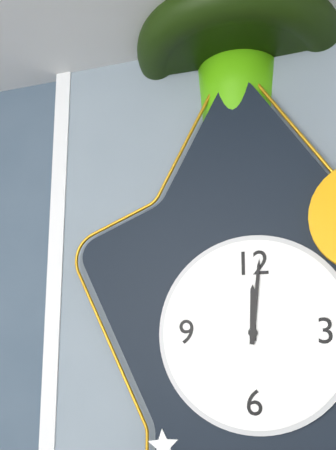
{"hour": 12, "minute": 1}
